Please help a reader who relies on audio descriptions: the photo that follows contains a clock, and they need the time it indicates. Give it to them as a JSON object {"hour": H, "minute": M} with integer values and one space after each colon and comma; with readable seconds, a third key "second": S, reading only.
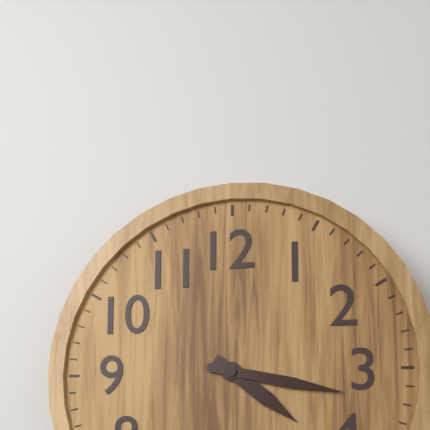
{"hour": 4, "minute": 17}
